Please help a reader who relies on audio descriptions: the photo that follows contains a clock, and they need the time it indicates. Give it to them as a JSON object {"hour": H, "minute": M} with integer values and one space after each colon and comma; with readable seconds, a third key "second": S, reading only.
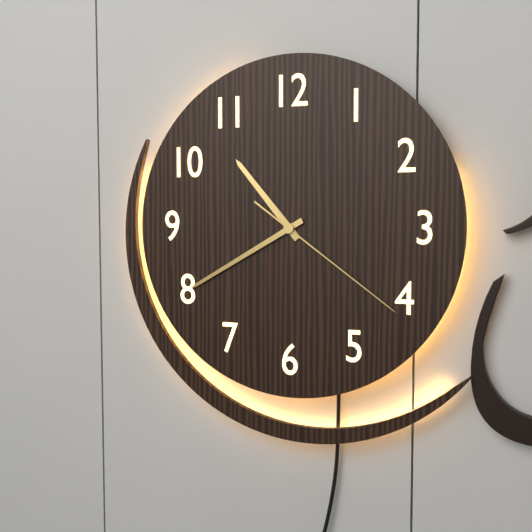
{"hour": 10, "minute": 40, "second": 21}
